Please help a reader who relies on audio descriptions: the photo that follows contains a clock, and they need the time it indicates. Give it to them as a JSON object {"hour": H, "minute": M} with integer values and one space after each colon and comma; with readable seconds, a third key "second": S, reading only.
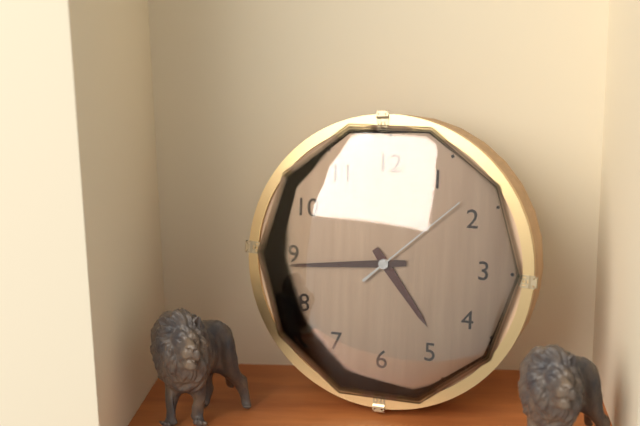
{"hour": 4, "minute": 44, "second": 8}
